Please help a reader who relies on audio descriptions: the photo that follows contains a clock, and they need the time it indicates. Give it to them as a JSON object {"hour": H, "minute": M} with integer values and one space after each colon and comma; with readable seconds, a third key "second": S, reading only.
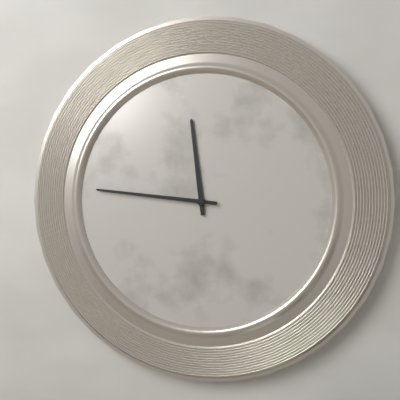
{"hour": 11, "minute": 46}
